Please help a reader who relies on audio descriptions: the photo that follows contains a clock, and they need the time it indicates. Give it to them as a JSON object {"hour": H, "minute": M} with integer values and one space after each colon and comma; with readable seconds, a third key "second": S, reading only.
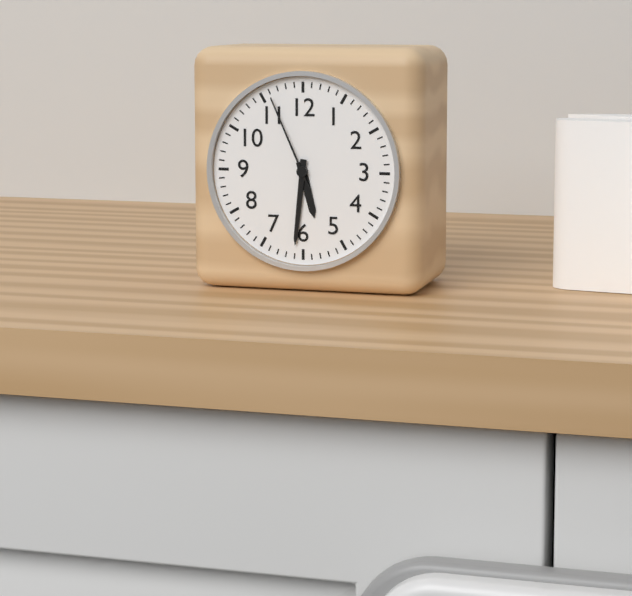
{"hour": 5, "minute": 31, "second": 56}
